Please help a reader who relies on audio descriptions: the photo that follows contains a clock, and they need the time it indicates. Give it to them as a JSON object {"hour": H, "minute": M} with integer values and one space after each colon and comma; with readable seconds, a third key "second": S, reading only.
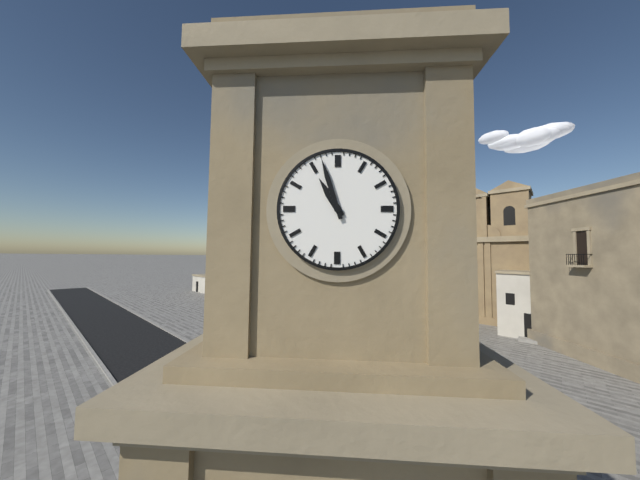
{"hour": 10, "minute": 57}
